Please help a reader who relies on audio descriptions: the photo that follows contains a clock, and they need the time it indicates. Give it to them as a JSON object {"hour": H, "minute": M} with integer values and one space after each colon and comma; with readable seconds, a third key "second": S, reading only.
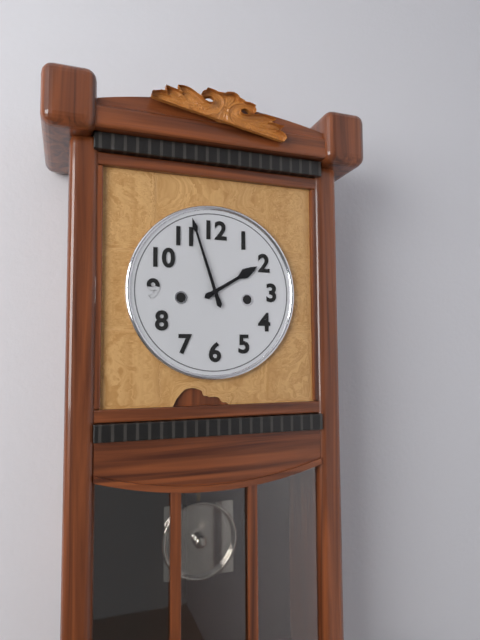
{"hour": 1, "minute": 57}
